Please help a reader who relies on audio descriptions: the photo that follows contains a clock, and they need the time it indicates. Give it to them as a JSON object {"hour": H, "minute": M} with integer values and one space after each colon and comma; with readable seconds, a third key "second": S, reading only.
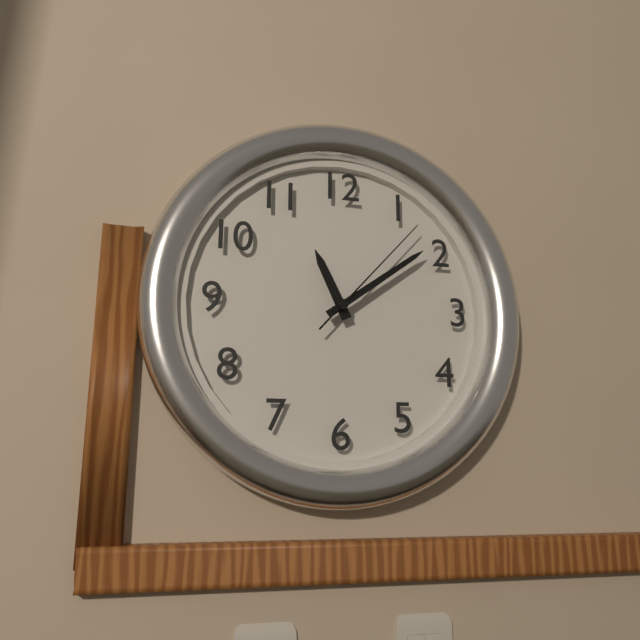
{"hour": 11, "minute": 9, "second": 7}
